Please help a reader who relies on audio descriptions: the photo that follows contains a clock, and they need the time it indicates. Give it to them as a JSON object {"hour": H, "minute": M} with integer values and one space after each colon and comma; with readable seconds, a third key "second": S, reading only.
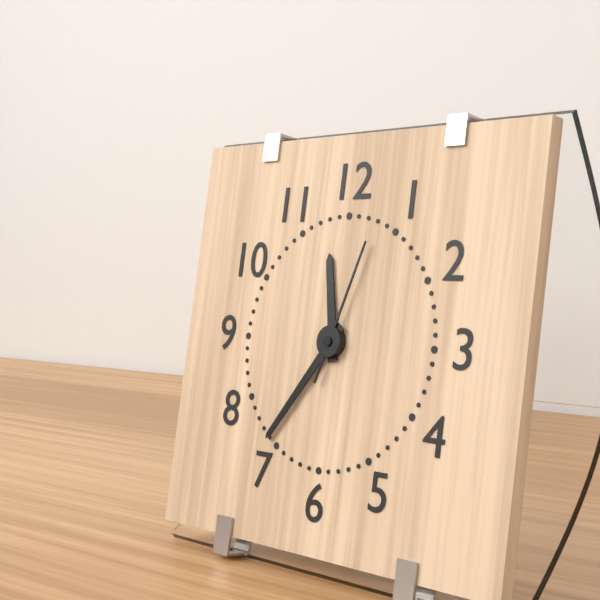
{"hour": 11, "minute": 36, "second": 3}
